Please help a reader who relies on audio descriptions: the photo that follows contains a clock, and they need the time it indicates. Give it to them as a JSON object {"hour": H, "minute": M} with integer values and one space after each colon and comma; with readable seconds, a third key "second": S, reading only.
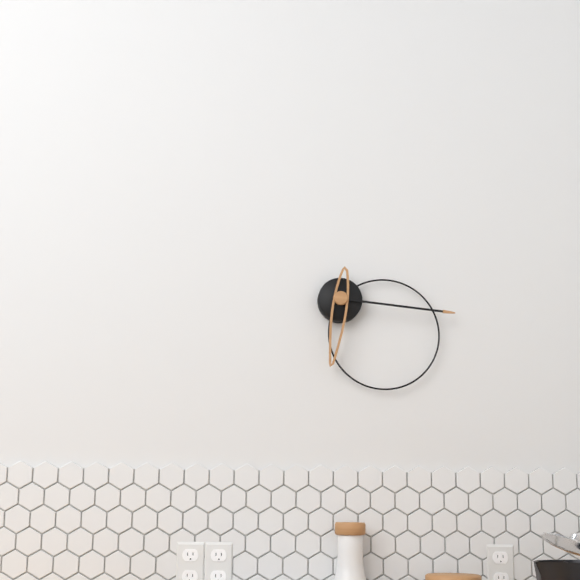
{"hour": 6, "minute": 16}
